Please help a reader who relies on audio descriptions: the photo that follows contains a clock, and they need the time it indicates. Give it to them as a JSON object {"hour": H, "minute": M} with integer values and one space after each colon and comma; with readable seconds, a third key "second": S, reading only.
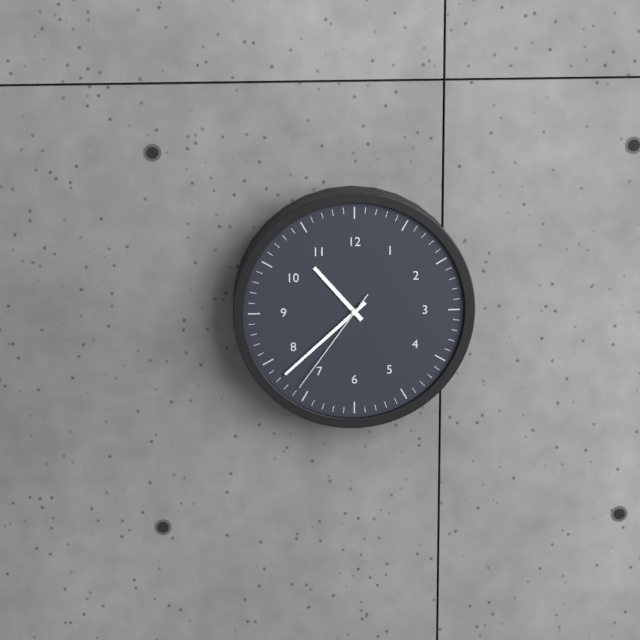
{"hour": 10, "minute": 38, "second": 36}
